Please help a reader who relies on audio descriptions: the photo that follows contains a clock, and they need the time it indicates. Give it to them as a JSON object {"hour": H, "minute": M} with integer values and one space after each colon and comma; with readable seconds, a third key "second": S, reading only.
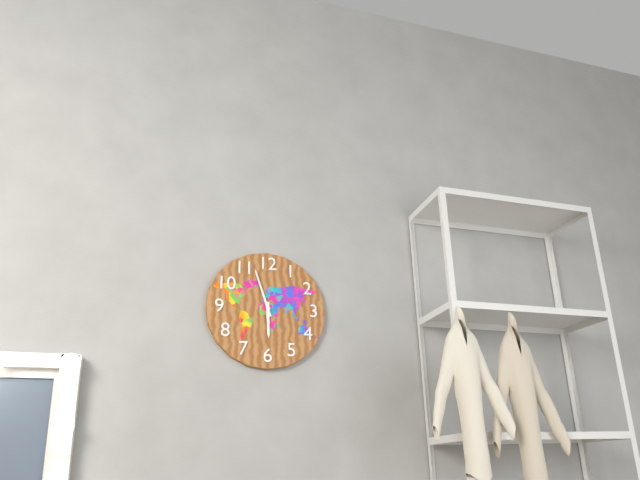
{"hour": 5, "minute": 57}
